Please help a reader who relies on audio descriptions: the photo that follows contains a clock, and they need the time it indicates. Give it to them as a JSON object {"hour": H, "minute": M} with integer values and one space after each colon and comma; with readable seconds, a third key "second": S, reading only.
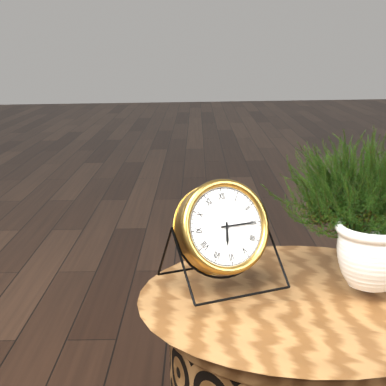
{"hour": 6, "minute": 15}
